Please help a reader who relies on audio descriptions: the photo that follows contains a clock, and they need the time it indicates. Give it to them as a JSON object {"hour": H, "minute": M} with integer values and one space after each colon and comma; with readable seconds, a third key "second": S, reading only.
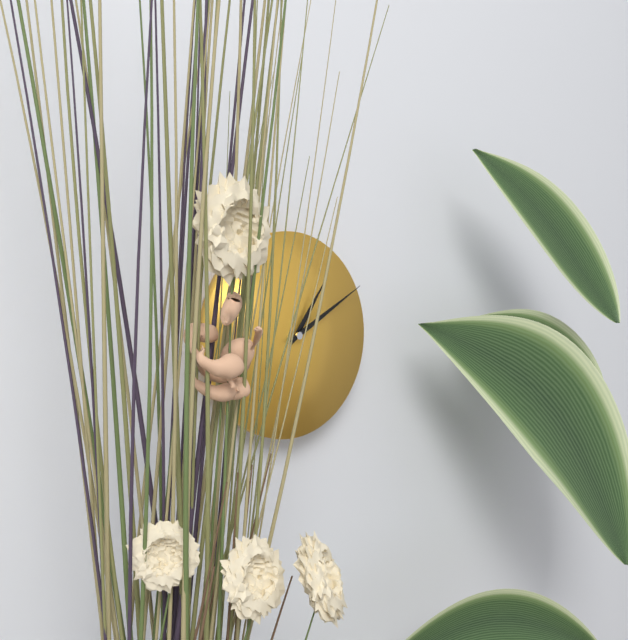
{"hour": 1, "minute": 10}
